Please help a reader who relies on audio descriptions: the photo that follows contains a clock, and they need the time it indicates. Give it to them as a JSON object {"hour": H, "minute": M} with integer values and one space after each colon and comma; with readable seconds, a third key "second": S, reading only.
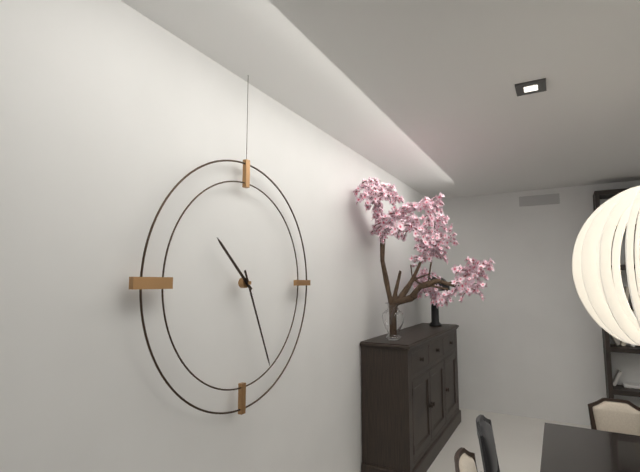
{"hour": 10, "minute": 26}
